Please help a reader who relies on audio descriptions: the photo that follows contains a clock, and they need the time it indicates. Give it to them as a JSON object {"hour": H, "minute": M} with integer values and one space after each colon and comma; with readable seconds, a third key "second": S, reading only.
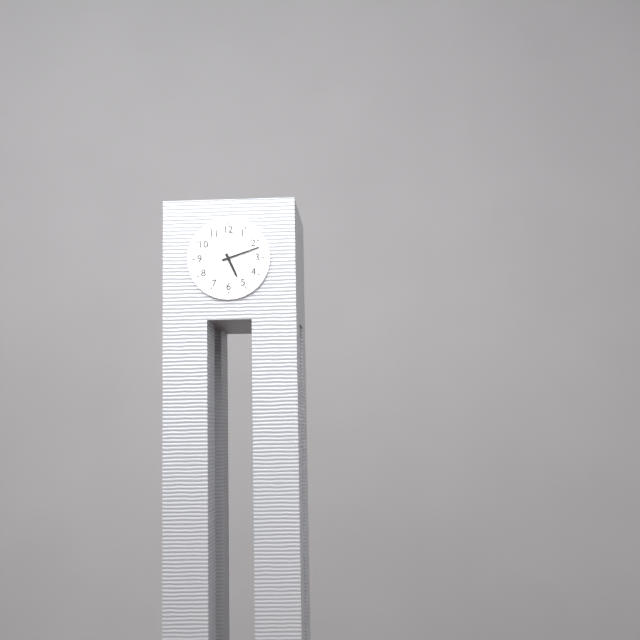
{"hour": 5, "minute": 12}
